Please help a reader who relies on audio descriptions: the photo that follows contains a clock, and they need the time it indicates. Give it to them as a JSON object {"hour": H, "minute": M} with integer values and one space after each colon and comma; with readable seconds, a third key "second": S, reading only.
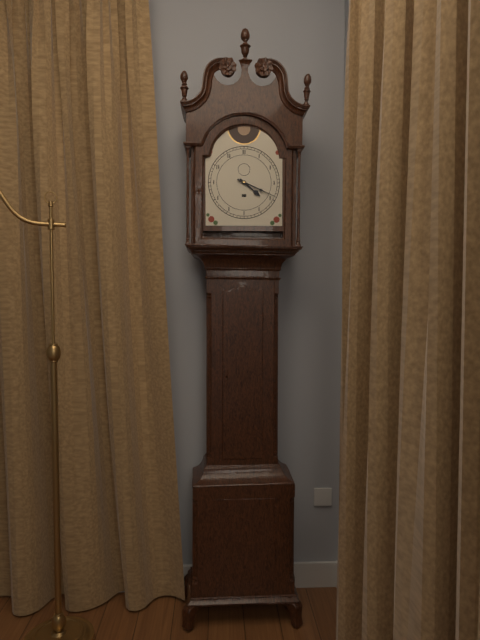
{"hour": 4, "minute": 19}
